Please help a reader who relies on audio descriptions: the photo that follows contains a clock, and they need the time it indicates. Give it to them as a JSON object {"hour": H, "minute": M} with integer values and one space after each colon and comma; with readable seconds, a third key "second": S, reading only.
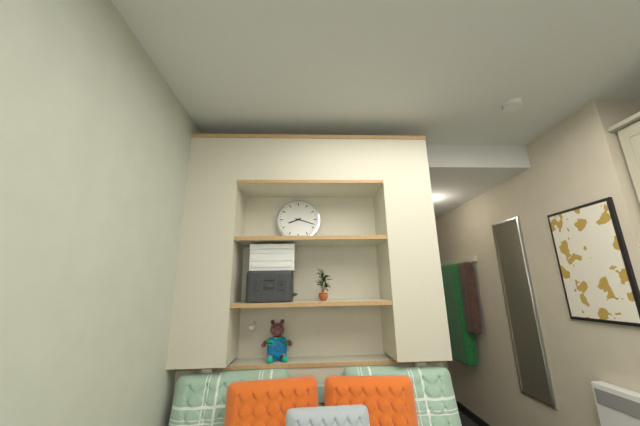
{"hour": 8, "minute": 18}
